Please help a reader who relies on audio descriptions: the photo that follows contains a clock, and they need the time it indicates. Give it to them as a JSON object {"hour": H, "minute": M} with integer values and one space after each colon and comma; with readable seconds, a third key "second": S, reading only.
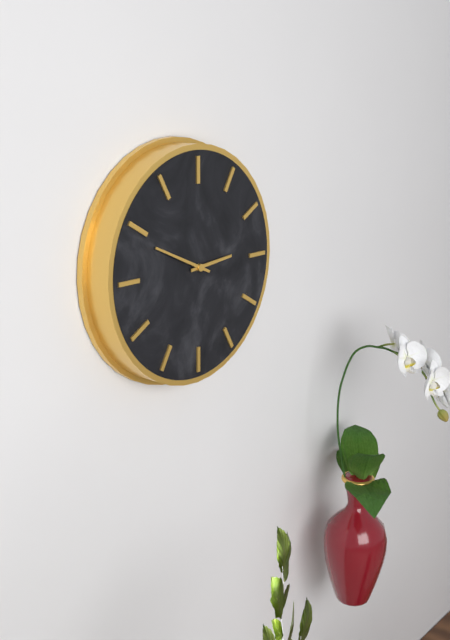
{"hour": 2, "minute": 49}
